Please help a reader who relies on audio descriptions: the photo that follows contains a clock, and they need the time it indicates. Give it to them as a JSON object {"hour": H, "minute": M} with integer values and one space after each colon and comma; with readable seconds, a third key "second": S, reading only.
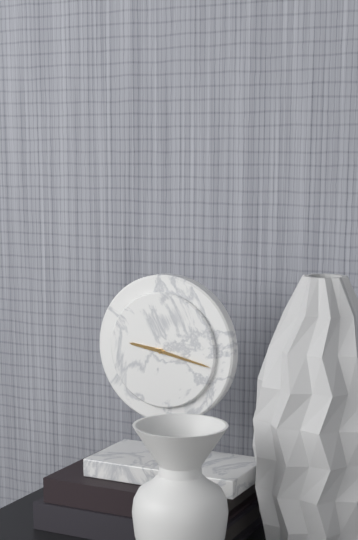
{"hour": 9, "minute": 17}
